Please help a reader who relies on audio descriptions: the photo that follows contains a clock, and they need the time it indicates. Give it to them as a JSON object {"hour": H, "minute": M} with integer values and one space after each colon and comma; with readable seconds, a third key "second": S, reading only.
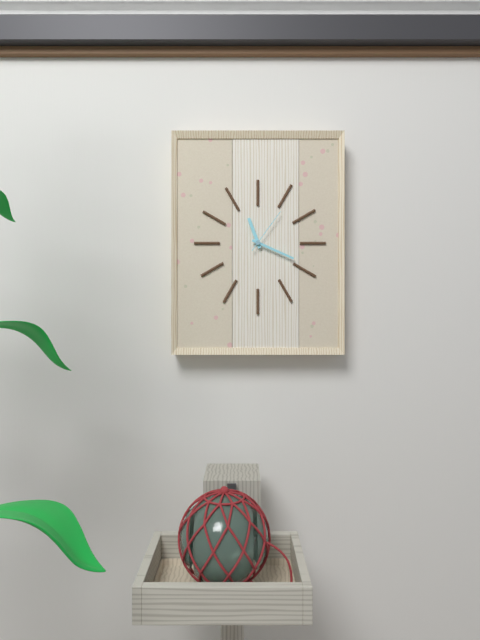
{"hour": 11, "minute": 19, "second": 6}
